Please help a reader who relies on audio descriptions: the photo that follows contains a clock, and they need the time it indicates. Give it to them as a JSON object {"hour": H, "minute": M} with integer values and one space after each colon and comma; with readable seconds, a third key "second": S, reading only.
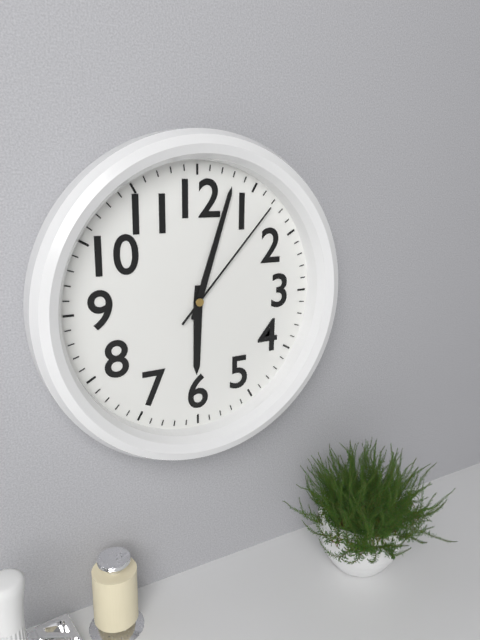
{"hour": 6, "minute": 3, "second": 7}
